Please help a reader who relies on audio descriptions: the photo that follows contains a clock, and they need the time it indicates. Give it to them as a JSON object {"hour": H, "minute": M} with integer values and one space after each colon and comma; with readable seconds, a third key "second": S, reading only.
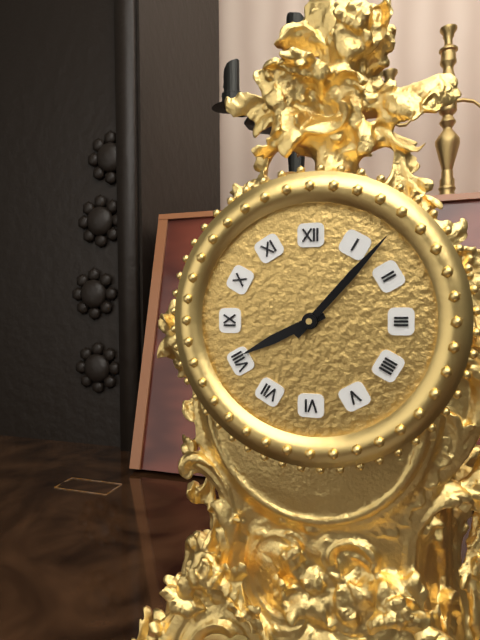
{"hour": 8, "minute": 7}
